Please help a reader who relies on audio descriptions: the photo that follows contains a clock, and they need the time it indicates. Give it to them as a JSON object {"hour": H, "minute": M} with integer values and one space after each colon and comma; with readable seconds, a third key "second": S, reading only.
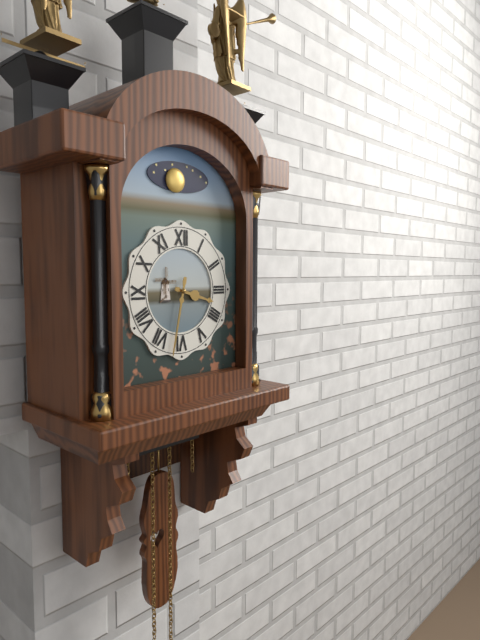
{"hour": 3, "minute": 32}
